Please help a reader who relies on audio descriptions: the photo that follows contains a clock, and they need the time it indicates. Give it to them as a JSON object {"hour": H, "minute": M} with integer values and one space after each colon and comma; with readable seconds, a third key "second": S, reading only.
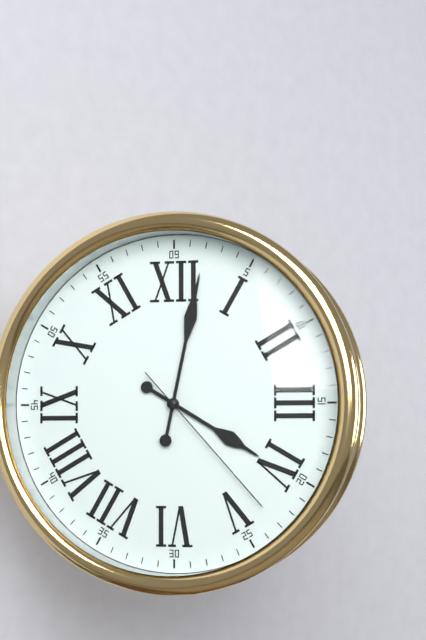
{"hour": 4, "minute": 2, "second": 23}
